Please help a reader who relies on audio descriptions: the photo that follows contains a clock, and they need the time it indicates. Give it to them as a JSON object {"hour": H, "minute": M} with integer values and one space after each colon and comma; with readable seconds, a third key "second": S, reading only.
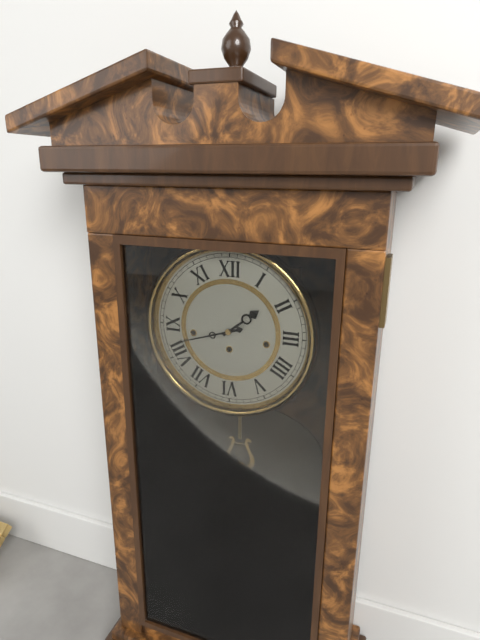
{"hour": 1, "minute": 42}
